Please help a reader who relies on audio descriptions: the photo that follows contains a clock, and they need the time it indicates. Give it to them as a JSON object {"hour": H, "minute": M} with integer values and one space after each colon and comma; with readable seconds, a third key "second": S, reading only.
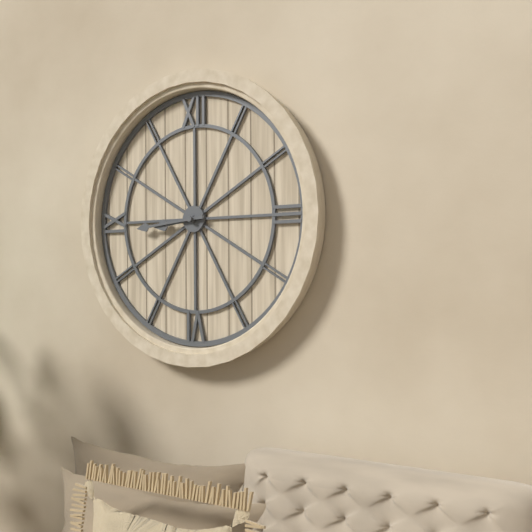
{"hour": 8, "minute": 44}
